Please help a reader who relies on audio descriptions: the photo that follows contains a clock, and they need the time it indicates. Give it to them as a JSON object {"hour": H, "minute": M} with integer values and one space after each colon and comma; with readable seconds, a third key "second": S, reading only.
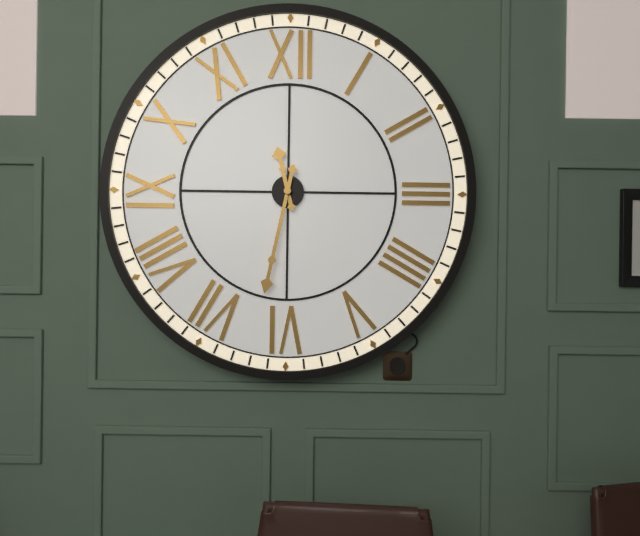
{"hour": 11, "minute": 32}
